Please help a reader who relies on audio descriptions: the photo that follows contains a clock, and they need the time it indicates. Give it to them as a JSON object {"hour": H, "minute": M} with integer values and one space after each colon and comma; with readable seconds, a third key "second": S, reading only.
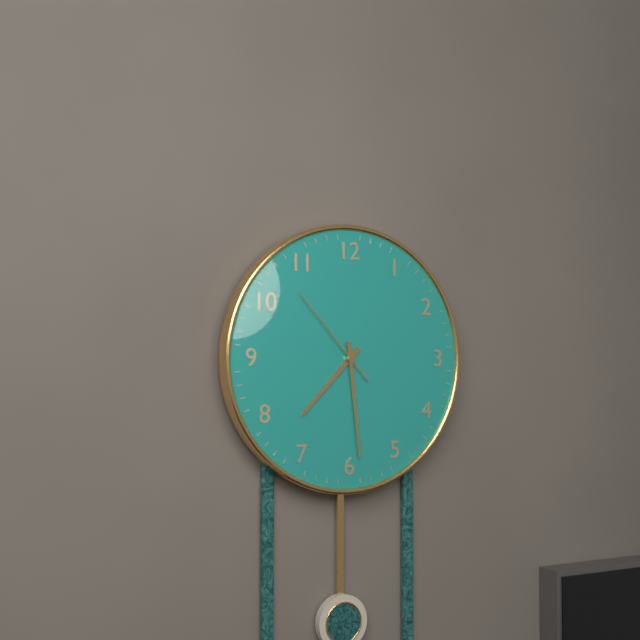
{"hour": 7, "minute": 29, "second": 53}
